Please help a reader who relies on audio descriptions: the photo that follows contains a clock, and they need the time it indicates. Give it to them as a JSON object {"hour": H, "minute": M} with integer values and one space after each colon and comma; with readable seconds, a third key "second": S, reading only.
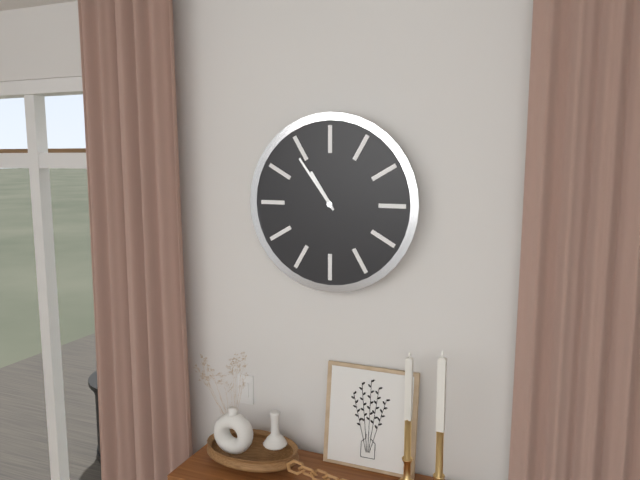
{"hour": 10, "minute": 54}
